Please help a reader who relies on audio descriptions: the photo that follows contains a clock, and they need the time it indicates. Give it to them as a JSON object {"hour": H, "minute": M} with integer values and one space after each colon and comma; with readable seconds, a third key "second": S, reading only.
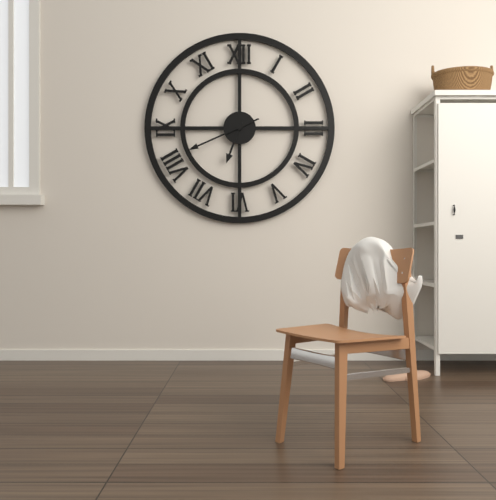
{"hour": 6, "minute": 41}
